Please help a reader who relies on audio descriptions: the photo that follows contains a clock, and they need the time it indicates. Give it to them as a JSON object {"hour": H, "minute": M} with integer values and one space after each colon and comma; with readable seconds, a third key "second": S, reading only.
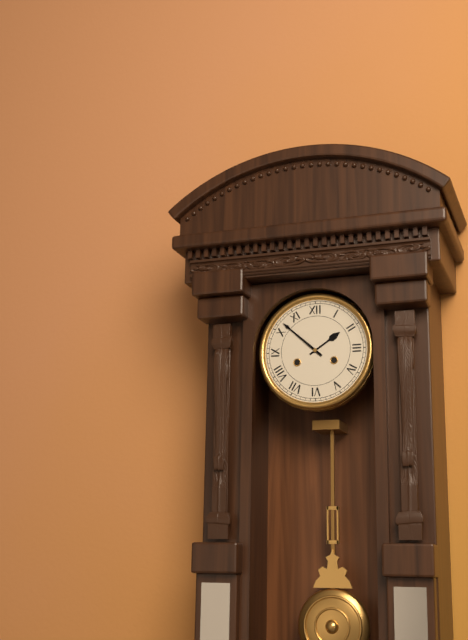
{"hour": 1, "minute": 52}
